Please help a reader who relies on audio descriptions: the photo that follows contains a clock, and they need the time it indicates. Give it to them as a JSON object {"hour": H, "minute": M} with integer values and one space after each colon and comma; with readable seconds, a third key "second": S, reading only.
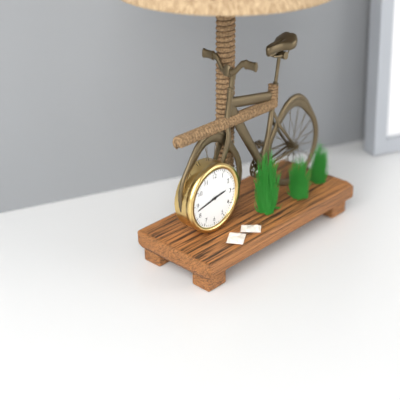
{"hour": 2, "minute": 43}
